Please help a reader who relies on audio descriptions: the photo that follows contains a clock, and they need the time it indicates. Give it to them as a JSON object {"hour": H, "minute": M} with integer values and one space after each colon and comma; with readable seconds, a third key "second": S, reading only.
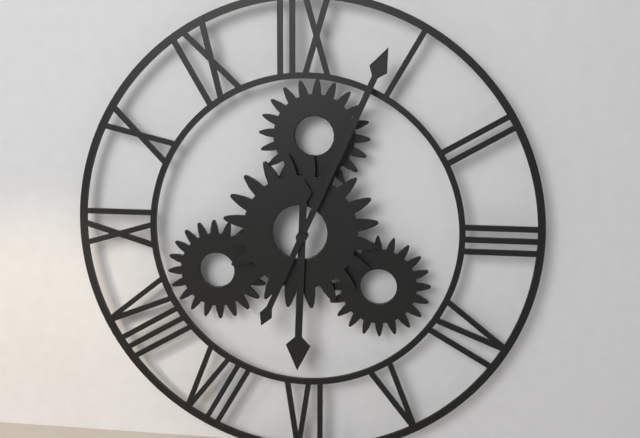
{"hour": 6, "minute": 4}
